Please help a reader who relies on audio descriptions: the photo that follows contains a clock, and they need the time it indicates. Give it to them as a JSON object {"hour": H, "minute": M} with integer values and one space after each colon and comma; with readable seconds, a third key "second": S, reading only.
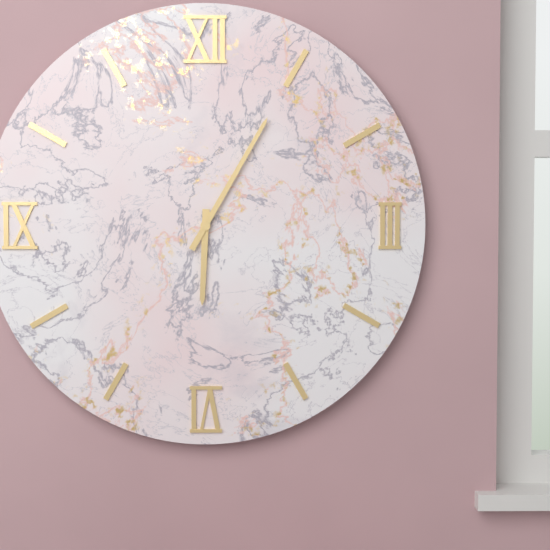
{"hour": 6, "minute": 5}
